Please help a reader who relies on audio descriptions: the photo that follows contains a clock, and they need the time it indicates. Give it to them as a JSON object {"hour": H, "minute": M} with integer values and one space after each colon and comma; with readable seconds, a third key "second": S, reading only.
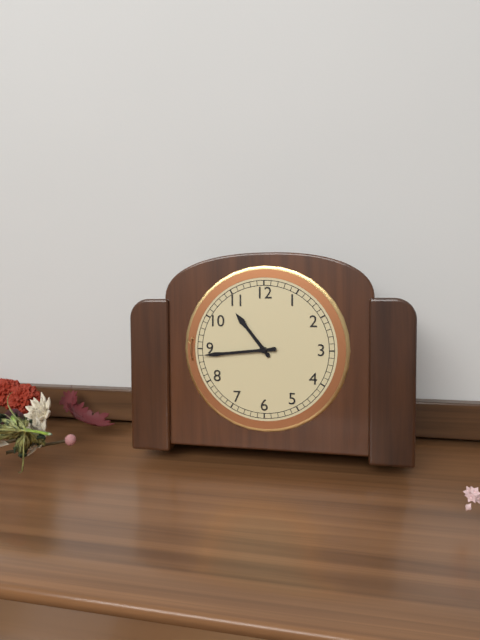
{"hour": 10, "minute": 44}
